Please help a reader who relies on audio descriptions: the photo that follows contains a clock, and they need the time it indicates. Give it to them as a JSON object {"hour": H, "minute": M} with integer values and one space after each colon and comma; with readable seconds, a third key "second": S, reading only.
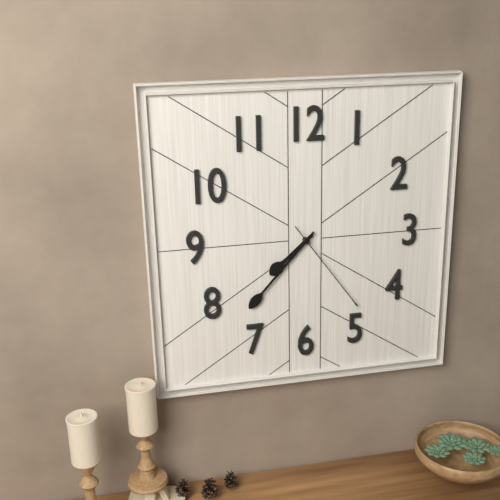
{"hour": 7, "minute": 37, "second": 24}
